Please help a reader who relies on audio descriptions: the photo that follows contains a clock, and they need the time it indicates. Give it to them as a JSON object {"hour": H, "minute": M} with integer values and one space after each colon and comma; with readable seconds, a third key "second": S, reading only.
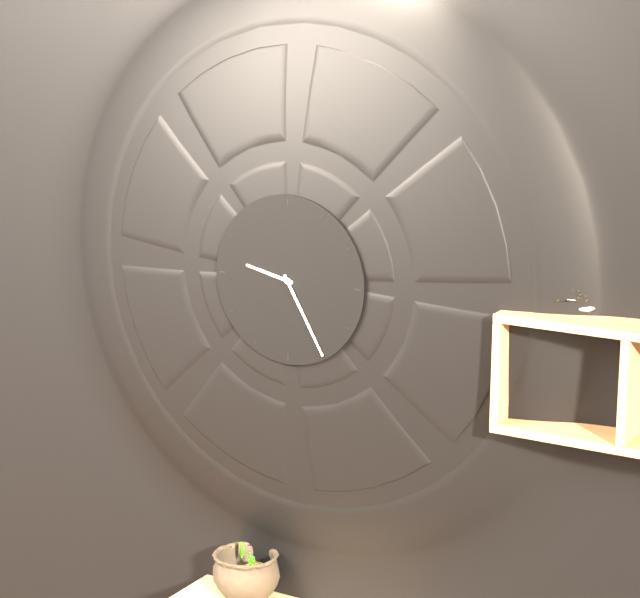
{"hour": 9, "minute": 25}
